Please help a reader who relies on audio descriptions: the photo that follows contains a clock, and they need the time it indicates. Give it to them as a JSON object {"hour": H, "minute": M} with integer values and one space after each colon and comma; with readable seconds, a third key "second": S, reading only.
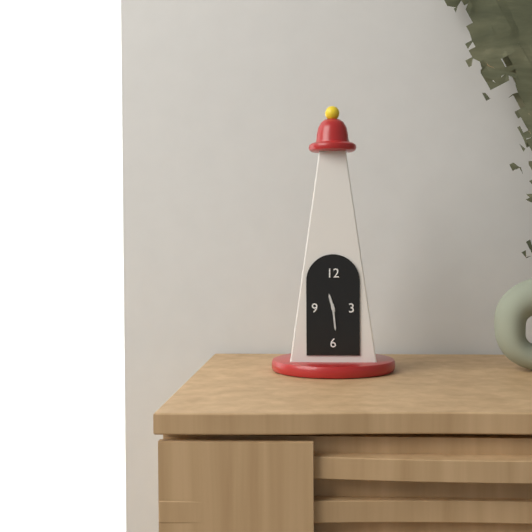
{"hour": 11, "minute": 29}
